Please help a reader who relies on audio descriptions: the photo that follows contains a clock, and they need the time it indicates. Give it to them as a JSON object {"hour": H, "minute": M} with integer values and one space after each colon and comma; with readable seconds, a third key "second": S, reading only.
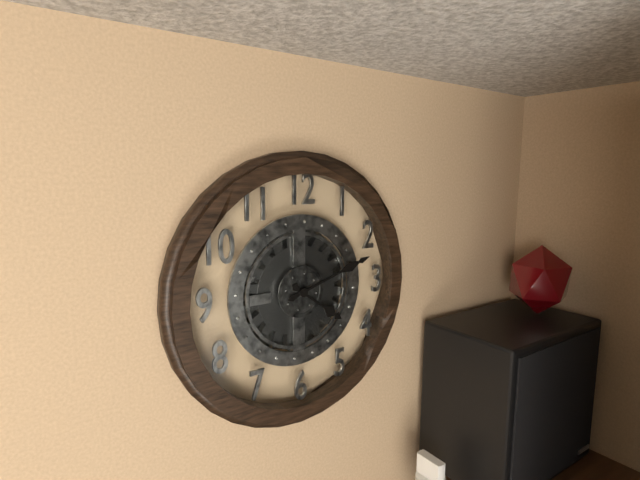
{"hour": 4, "minute": 12}
